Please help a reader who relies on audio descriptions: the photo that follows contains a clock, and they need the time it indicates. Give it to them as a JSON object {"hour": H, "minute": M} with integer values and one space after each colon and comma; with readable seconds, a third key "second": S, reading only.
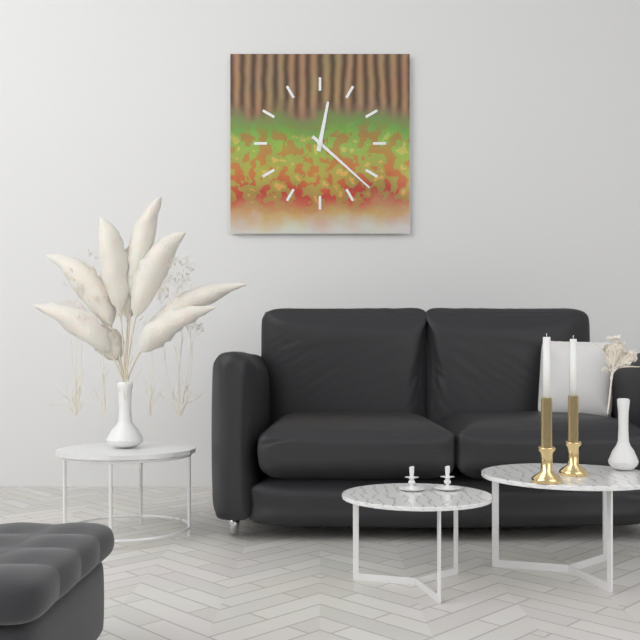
{"hour": 12, "minute": 22}
